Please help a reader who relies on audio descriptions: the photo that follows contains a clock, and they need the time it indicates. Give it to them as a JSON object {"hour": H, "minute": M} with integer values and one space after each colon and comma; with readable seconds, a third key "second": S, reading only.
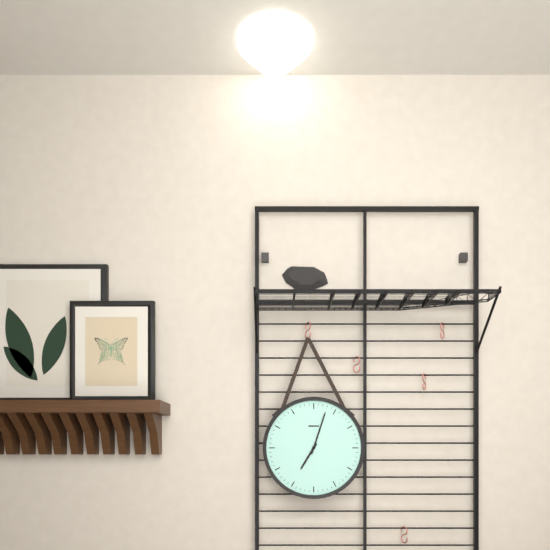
{"hour": 7, "minute": 3}
